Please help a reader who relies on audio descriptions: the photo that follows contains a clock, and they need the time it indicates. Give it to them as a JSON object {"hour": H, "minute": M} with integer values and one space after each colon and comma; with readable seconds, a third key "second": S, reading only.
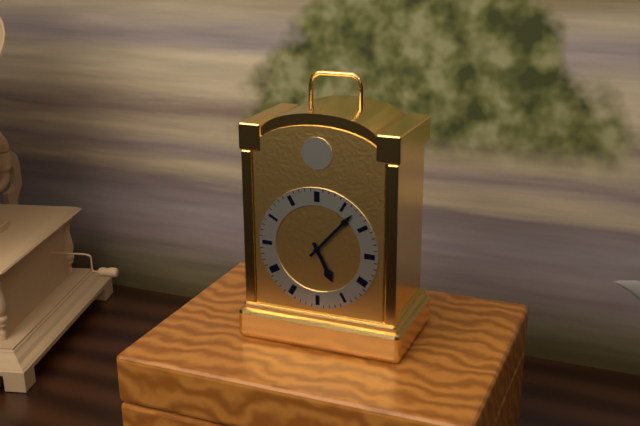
{"hour": 5, "minute": 7}
